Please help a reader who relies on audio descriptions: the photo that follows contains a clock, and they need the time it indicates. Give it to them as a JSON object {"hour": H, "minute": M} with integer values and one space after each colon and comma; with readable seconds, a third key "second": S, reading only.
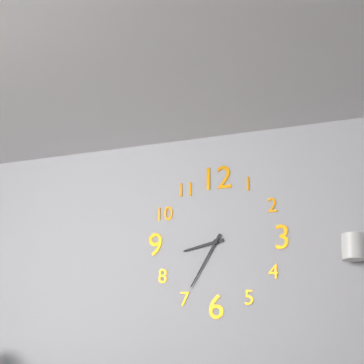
{"hour": 8, "minute": 35}
